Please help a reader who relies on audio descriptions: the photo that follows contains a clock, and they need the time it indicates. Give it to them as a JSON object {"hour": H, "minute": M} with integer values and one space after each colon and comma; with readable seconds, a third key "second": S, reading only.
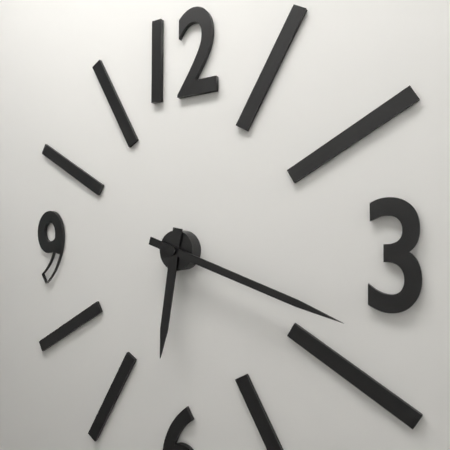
{"hour": 6, "minute": 18}
